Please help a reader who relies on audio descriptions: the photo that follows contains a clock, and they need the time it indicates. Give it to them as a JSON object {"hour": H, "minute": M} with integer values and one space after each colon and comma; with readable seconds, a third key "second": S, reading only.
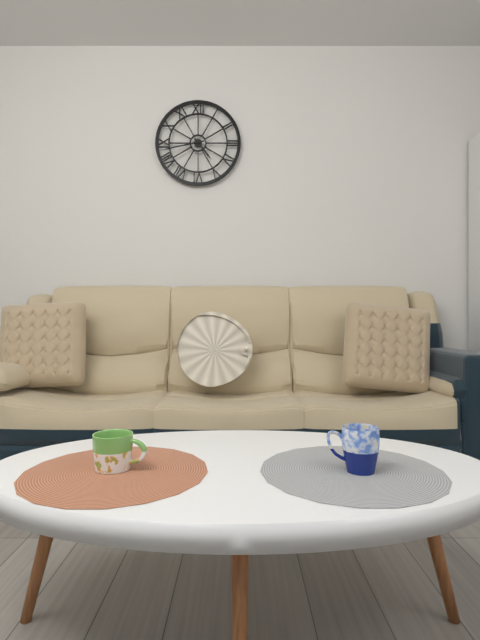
{"hour": 4, "minute": 43}
